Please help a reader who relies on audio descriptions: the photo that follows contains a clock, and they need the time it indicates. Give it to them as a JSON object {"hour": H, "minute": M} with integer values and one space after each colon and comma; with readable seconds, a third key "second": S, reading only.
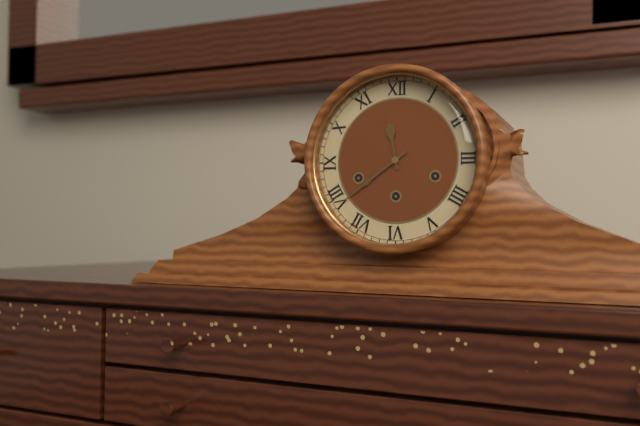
{"hour": 11, "minute": 39}
